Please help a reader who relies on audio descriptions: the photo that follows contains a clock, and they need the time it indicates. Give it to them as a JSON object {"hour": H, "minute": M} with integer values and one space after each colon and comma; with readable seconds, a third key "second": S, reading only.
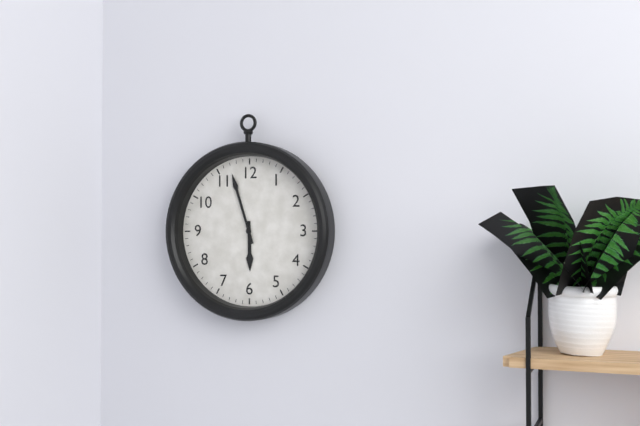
{"hour": 5, "minute": 57}
